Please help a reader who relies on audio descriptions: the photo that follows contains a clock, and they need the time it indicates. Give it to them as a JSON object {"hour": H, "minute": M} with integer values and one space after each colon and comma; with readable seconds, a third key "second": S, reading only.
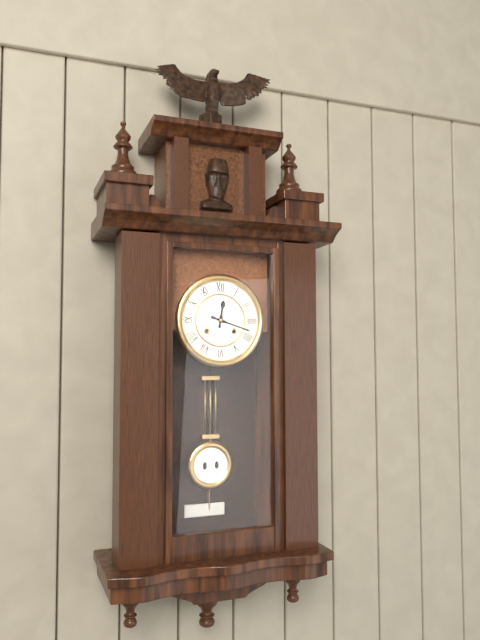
{"hour": 12, "minute": 18}
